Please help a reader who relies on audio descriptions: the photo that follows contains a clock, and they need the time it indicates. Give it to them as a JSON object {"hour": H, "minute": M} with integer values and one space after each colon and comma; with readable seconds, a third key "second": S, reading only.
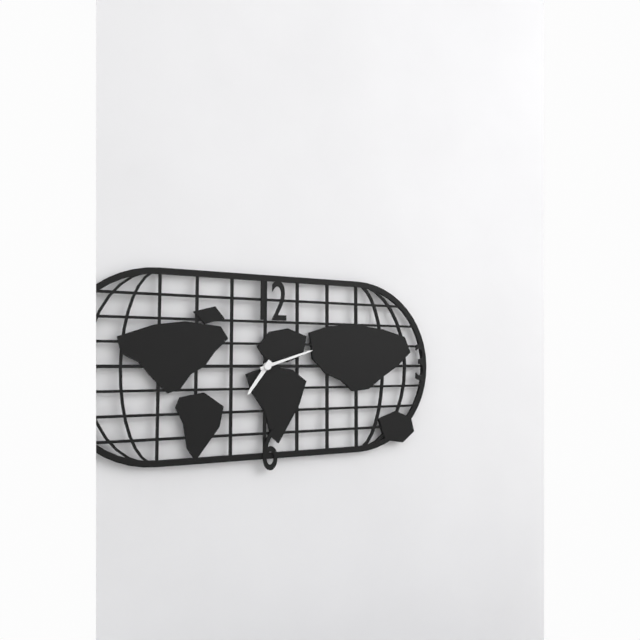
{"hour": 7, "minute": 12}
